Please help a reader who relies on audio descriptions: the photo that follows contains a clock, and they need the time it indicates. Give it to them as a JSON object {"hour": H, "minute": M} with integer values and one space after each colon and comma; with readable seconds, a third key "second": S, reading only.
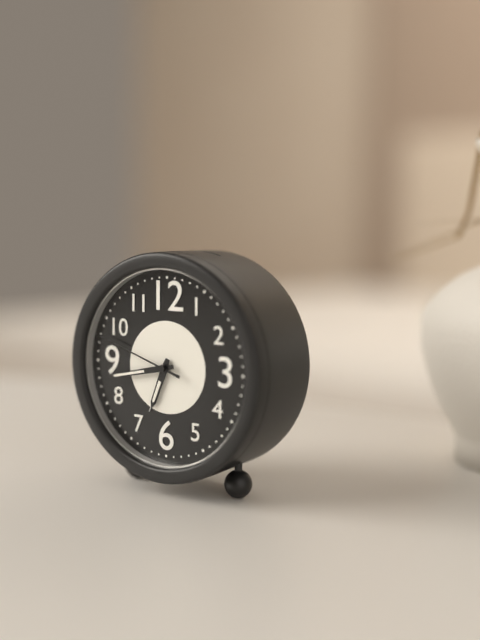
{"hour": 6, "minute": 43, "second": 48}
